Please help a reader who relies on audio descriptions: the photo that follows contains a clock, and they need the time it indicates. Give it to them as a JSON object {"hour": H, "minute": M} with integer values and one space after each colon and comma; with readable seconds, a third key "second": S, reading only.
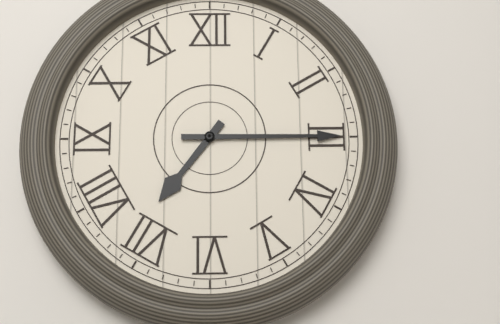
{"hour": 7, "minute": 15}
